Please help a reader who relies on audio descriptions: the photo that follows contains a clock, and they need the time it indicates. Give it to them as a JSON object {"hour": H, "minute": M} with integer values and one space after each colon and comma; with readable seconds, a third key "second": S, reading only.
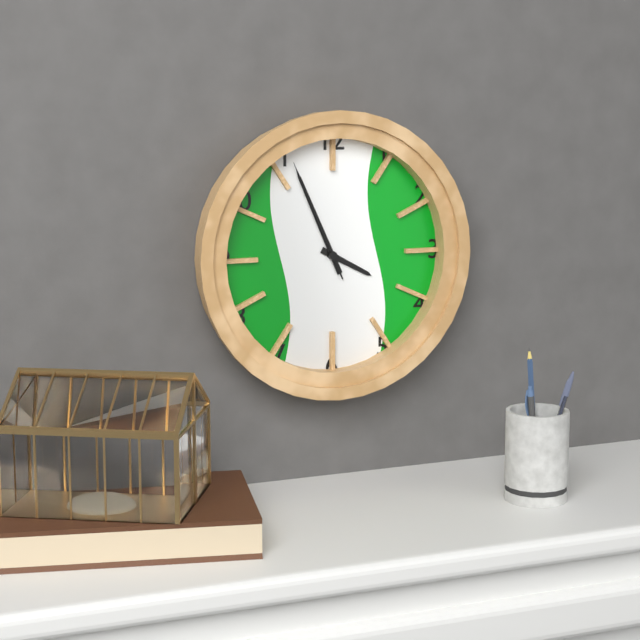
{"hour": 3, "minute": 56, "second": 56}
